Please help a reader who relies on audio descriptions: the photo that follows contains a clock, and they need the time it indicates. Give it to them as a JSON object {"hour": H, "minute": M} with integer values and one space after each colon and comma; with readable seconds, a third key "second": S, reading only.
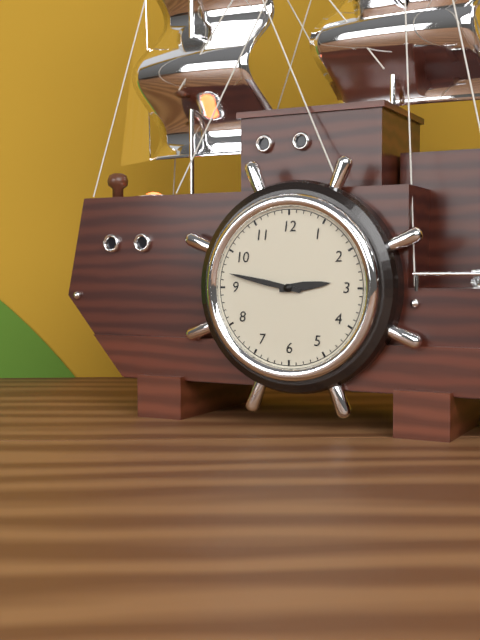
{"hour": 2, "minute": 47}
